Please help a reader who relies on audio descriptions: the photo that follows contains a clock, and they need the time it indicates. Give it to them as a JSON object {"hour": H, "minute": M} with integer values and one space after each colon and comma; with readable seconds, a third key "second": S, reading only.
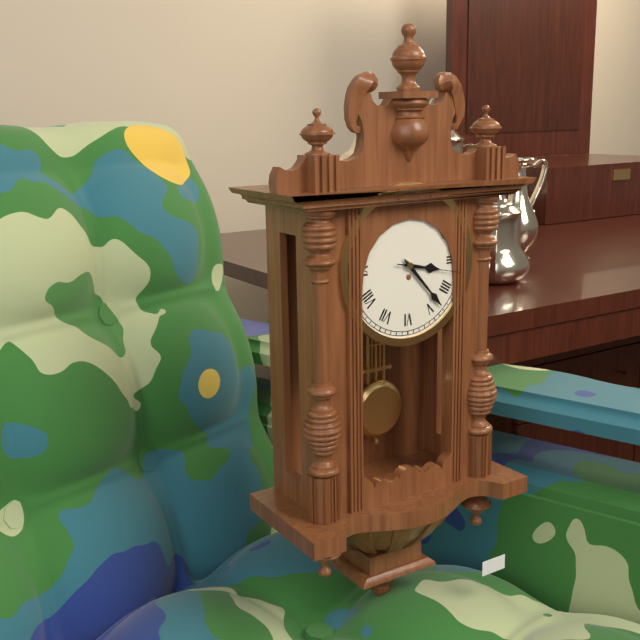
{"hour": 3, "minute": 23, "second": 17}
